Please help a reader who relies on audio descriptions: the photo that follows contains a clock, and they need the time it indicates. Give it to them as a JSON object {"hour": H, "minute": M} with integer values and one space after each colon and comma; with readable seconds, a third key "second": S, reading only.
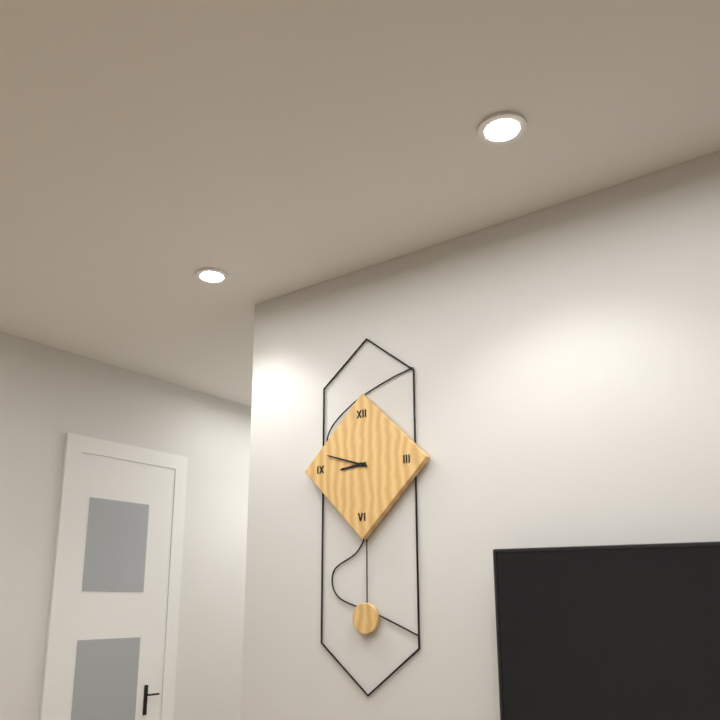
{"hour": 8, "minute": 48}
